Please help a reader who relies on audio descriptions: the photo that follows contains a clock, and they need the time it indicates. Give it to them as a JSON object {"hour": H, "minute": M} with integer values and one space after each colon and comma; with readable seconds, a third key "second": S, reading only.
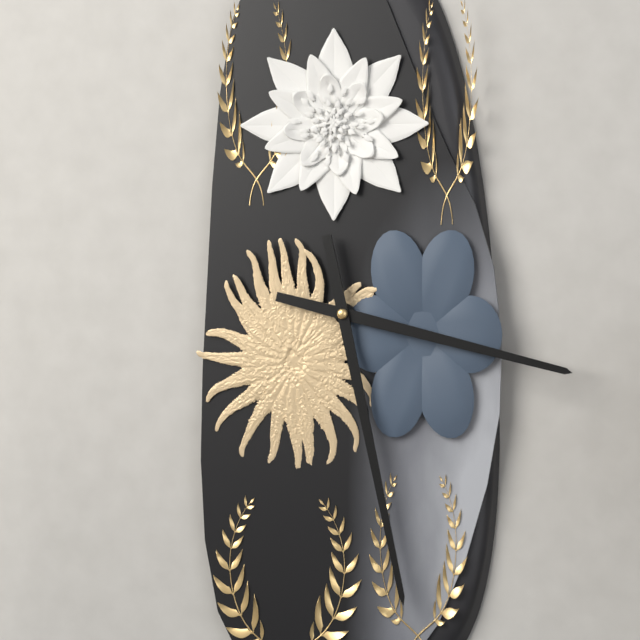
{"hour": 3, "minute": 28}
